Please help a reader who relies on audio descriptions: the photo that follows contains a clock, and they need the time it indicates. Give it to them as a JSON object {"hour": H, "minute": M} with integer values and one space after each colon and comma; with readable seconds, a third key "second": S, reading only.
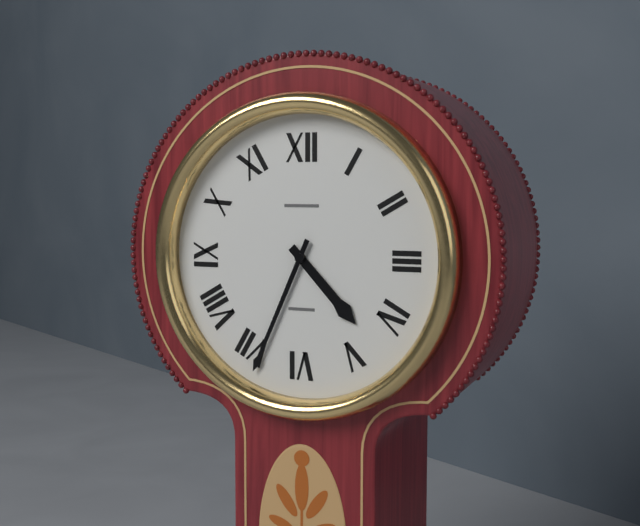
{"hour": 4, "minute": 34}
